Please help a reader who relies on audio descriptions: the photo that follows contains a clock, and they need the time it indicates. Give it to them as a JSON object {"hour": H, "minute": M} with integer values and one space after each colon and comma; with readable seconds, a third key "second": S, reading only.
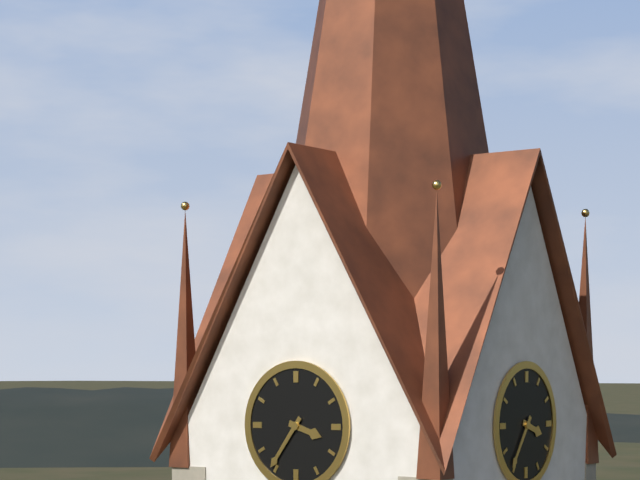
{"hour": 3, "minute": 36}
